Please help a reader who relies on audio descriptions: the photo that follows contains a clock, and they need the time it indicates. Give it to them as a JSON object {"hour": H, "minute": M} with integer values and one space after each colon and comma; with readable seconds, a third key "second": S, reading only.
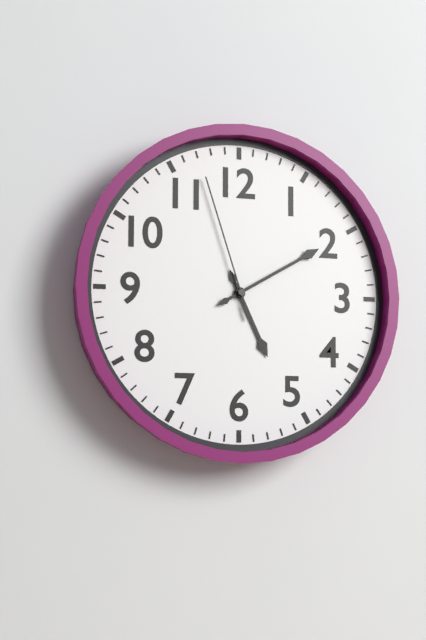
{"hour": 5, "minute": 10, "second": 57}
